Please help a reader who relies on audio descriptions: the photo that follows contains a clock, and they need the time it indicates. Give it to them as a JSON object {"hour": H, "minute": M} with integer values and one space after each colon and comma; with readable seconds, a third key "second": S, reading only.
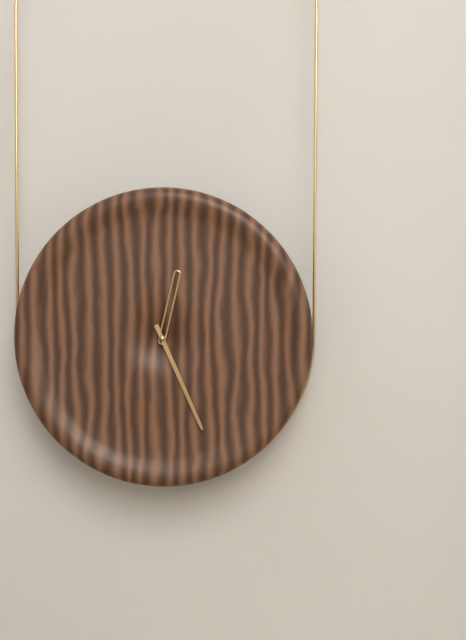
{"hour": 12, "minute": 26}
